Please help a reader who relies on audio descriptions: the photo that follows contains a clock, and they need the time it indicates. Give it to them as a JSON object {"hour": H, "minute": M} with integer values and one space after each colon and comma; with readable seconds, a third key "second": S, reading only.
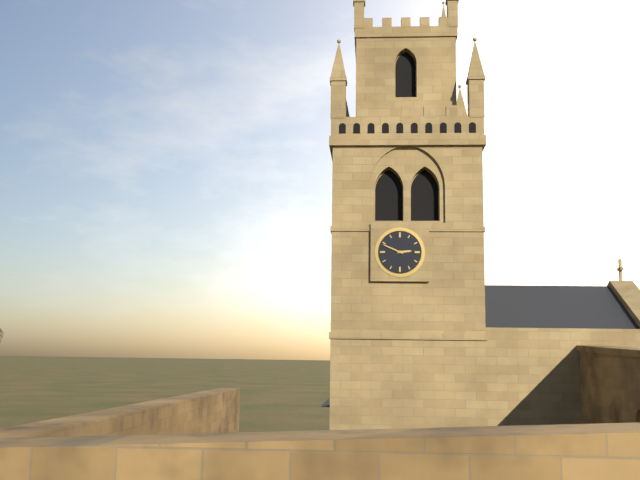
{"hour": 2, "minute": 49}
